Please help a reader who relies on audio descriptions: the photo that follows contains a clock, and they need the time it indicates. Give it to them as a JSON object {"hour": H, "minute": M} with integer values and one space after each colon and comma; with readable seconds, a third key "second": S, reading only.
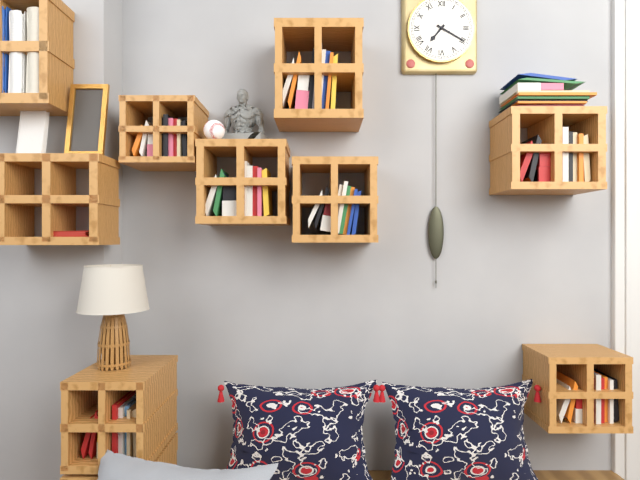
{"hour": 7, "minute": 20}
